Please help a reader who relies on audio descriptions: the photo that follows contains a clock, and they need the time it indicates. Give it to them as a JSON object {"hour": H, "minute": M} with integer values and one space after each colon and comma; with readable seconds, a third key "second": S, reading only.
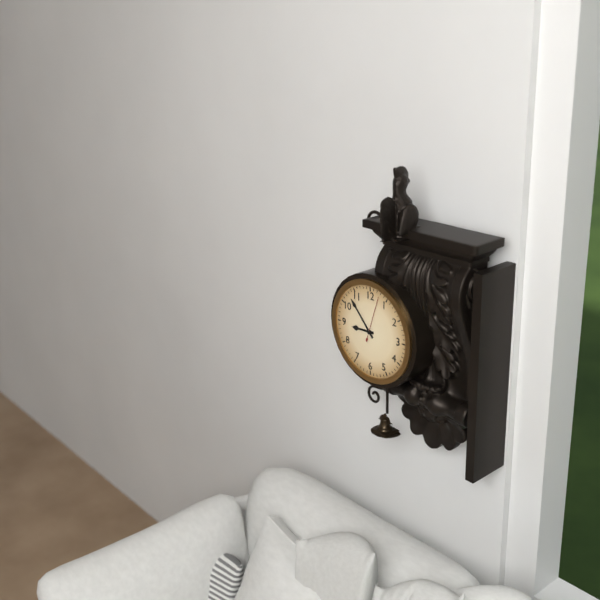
{"hour": 8, "minute": 53}
